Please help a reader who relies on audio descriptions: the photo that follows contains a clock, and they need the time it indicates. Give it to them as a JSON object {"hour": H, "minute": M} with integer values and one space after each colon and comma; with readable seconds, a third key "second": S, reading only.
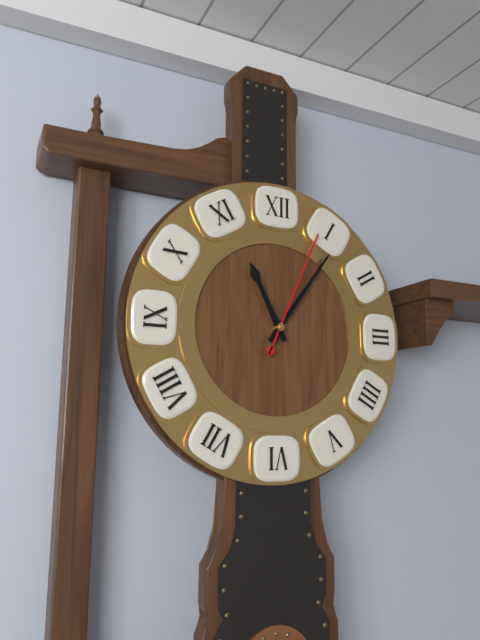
{"hour": 11, "minute": 6, "second": 4}
